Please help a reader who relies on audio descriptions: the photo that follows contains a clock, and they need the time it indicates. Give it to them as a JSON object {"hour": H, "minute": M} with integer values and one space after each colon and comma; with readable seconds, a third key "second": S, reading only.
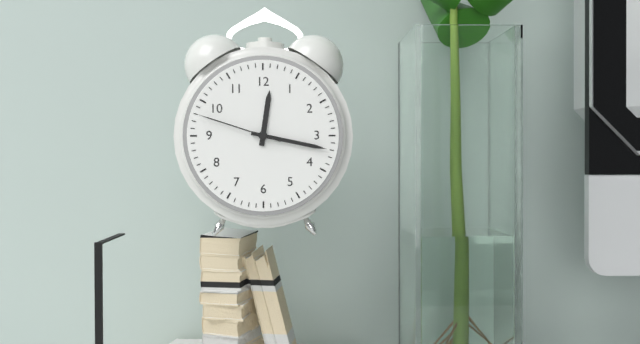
{"hour": 12, "minute": 17, "second": 48}
